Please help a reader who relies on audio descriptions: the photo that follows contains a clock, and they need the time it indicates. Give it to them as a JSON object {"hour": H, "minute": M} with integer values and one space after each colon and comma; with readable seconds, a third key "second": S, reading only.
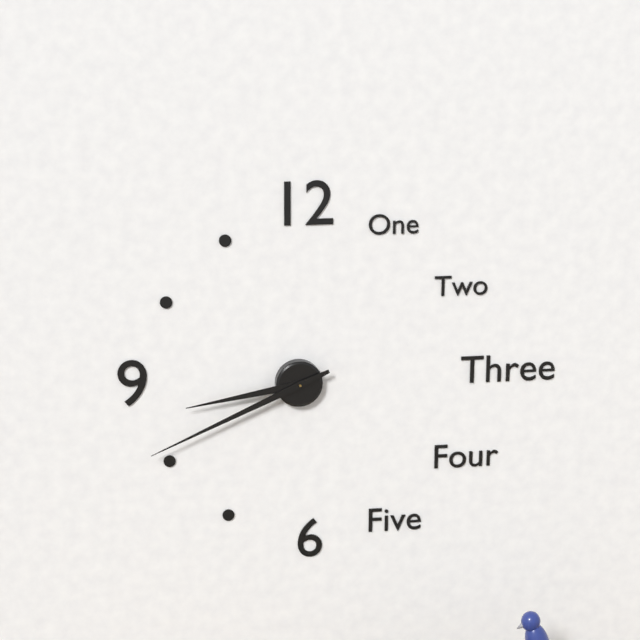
{"hour": 8, "minute": 41}
